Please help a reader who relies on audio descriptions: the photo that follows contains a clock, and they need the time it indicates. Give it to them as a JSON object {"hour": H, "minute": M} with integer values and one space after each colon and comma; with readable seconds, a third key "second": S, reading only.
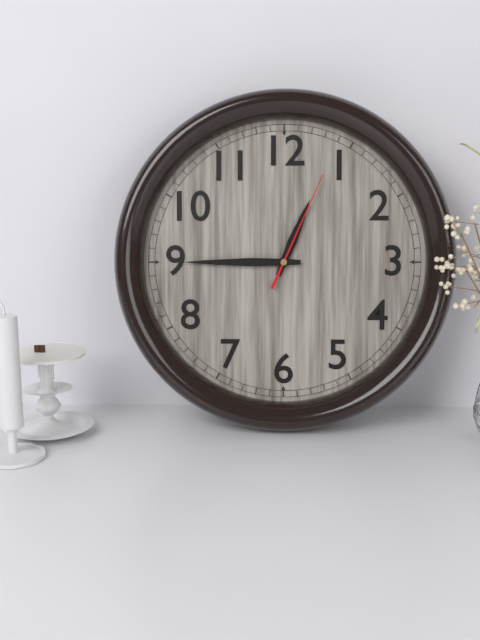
{"hour": 12, "minute": 45, "second": 4}
